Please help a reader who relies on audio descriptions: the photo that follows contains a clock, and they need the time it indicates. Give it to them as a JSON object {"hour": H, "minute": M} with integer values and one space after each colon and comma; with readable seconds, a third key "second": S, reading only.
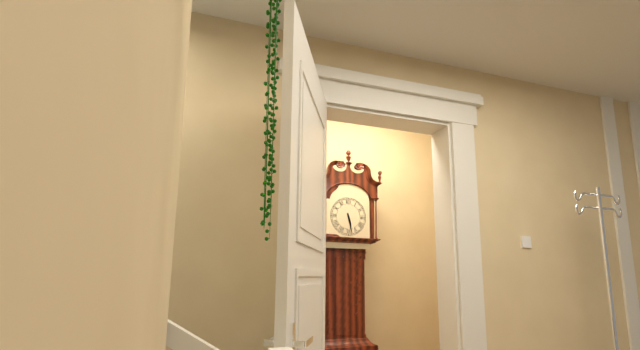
{"hour": 5, "minute": 28}
